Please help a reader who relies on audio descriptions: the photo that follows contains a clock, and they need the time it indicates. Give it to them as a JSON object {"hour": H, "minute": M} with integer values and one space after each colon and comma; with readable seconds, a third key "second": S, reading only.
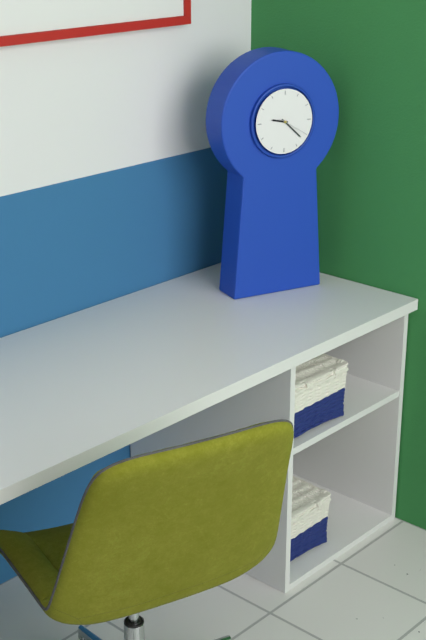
{"hour": 9, "minute": 22}
